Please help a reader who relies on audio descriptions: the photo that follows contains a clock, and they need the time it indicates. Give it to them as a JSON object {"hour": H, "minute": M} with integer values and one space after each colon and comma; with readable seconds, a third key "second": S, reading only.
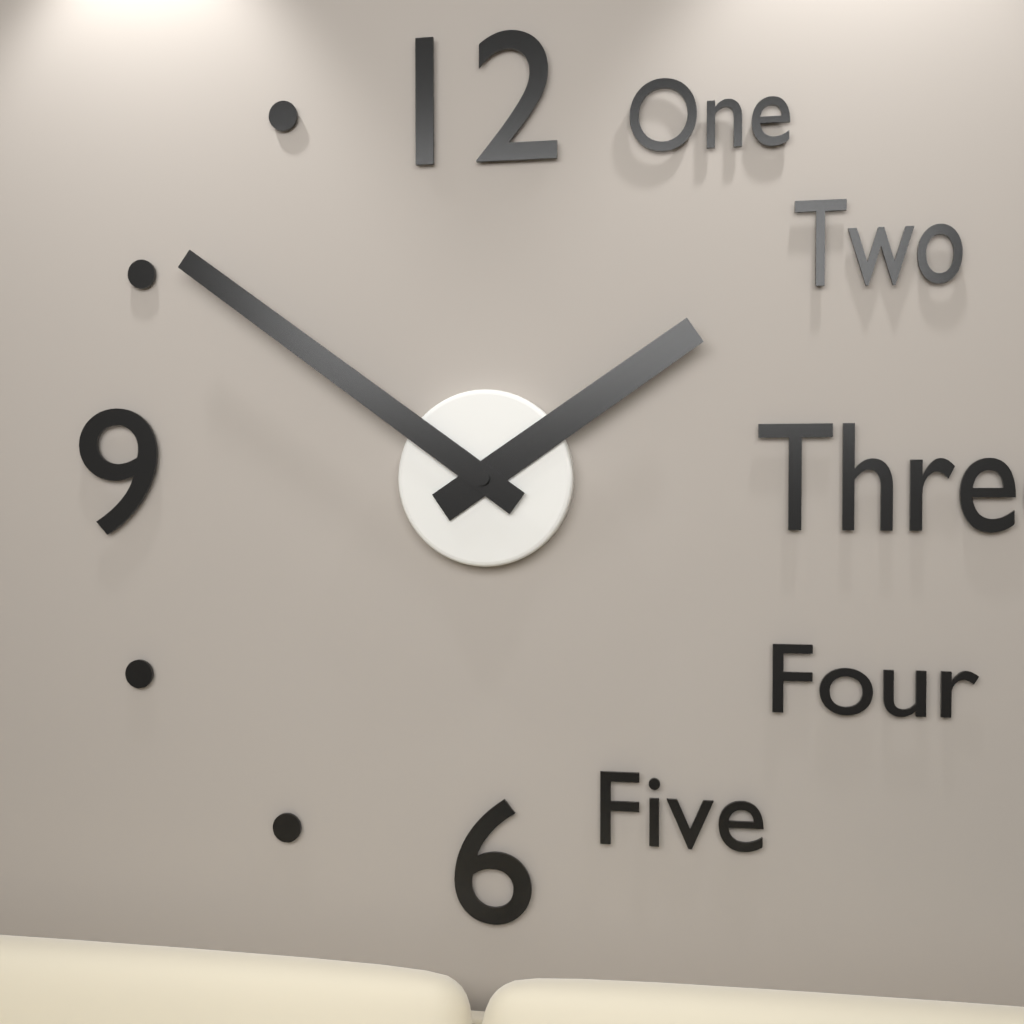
{"hour": 1, "minute": 51}
